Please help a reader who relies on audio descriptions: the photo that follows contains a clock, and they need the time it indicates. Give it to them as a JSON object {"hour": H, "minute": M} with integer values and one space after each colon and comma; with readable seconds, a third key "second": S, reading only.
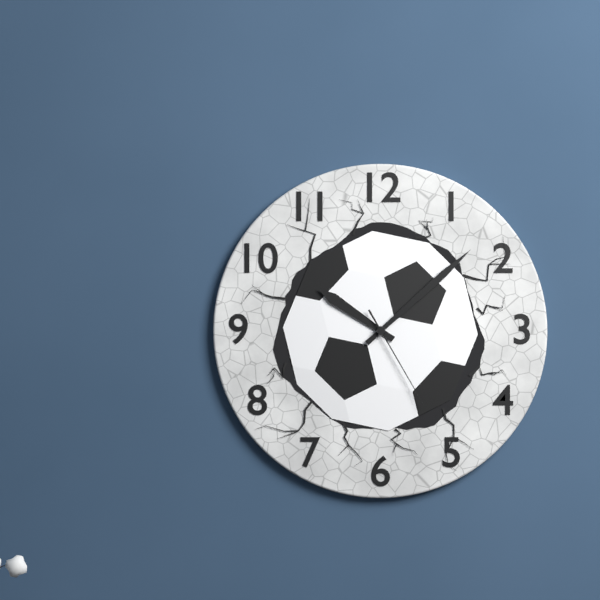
{"hour": 10, "minute": 8, "second": 25}
